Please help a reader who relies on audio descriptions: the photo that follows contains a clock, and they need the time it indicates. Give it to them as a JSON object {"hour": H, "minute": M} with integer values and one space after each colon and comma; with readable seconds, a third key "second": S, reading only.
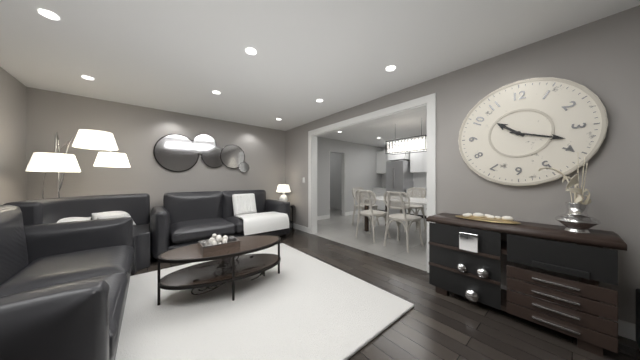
{"hour": 10, "minute": 18}
